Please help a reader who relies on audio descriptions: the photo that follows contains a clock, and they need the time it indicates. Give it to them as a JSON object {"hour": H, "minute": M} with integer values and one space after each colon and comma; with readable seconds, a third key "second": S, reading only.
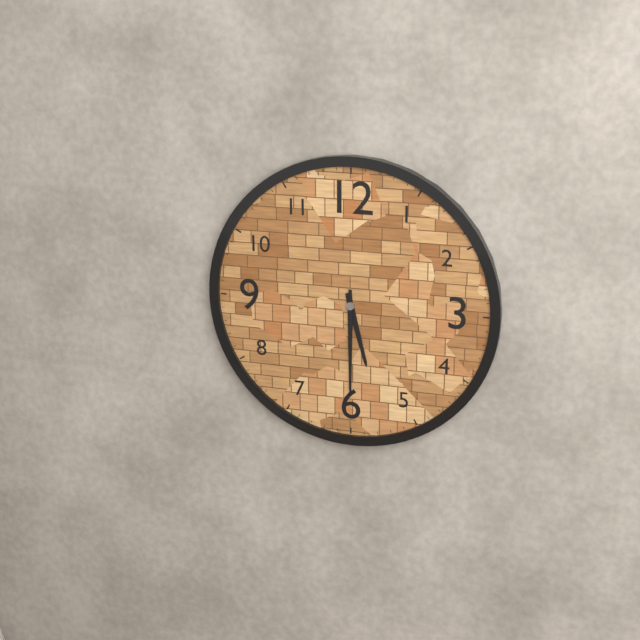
{"hour": 5, "minute": 30}
